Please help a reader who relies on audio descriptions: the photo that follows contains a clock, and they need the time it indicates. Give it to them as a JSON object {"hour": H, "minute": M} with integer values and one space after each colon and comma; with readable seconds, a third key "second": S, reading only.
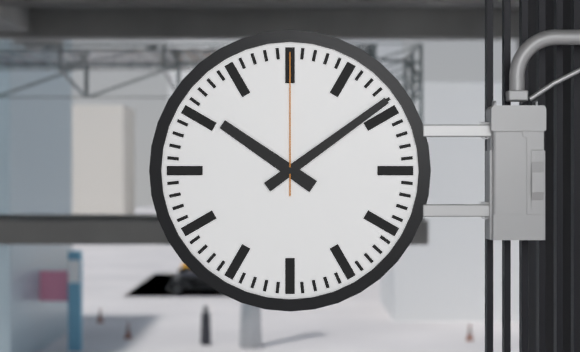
{"hour": 10, "minute": 9, "second": 0}
